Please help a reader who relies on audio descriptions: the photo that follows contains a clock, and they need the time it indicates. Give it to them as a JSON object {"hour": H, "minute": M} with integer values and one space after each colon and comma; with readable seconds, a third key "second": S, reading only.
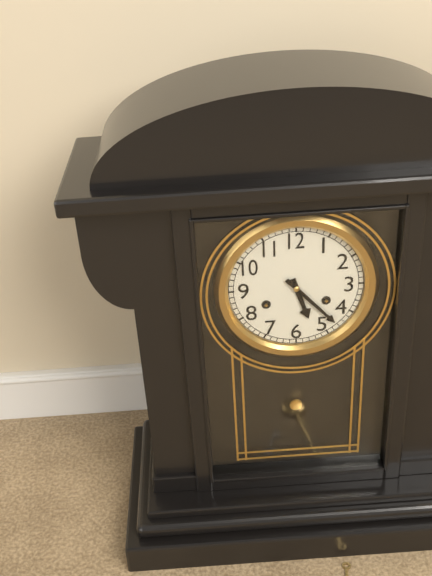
{"hour": 5, "minute": 23}
